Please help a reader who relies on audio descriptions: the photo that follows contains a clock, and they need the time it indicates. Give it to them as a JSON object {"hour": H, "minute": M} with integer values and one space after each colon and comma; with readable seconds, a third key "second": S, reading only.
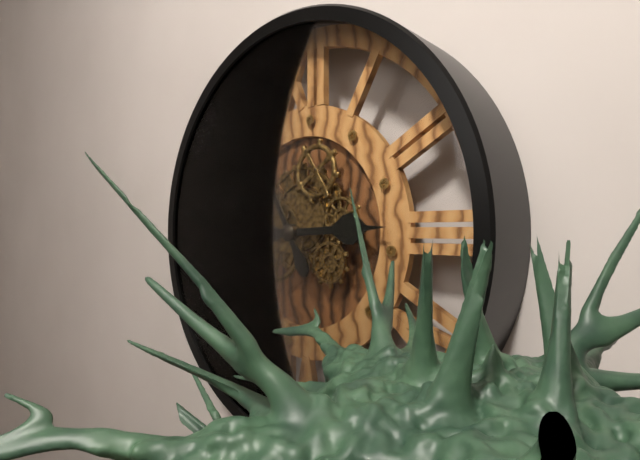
{"hour": 2, "minute": 55}
